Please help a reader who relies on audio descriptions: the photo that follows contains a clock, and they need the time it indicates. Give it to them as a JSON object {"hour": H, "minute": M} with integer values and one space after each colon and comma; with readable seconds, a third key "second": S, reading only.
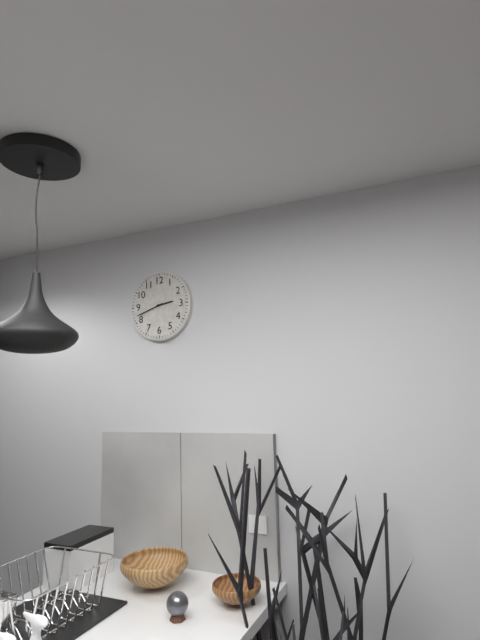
{"hour": 2, "minute": 42}
